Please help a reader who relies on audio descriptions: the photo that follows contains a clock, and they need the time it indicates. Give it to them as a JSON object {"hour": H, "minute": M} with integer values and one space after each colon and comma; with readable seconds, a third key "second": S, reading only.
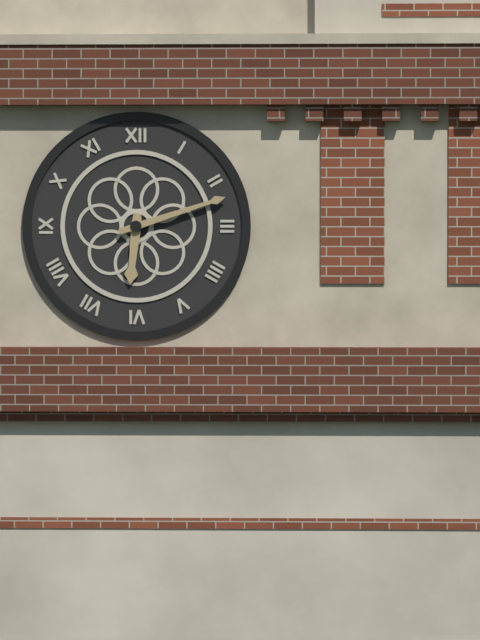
{"hour": 6, "minute": 12}
